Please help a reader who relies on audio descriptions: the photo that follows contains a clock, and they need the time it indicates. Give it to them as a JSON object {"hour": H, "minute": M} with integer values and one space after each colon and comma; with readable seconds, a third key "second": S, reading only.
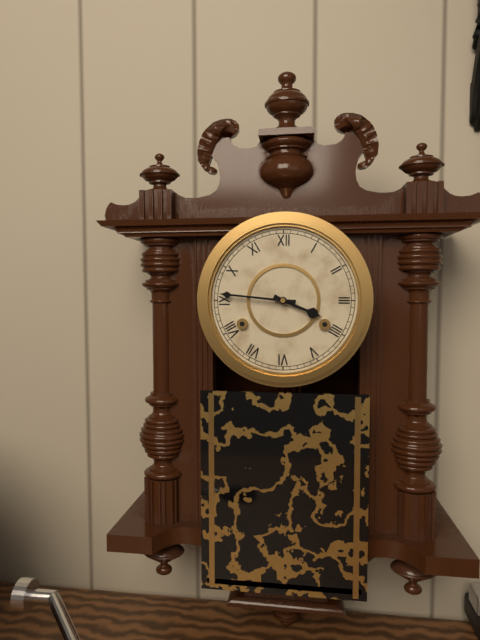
{"hour": 3, "minute": 46}
